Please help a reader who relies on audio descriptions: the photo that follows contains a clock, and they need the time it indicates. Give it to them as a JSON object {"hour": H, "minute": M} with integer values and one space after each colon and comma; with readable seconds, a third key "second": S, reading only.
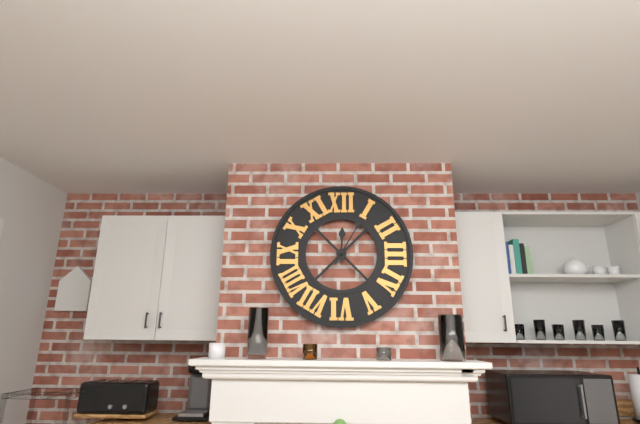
{"hour": 12, "minute": 5}
